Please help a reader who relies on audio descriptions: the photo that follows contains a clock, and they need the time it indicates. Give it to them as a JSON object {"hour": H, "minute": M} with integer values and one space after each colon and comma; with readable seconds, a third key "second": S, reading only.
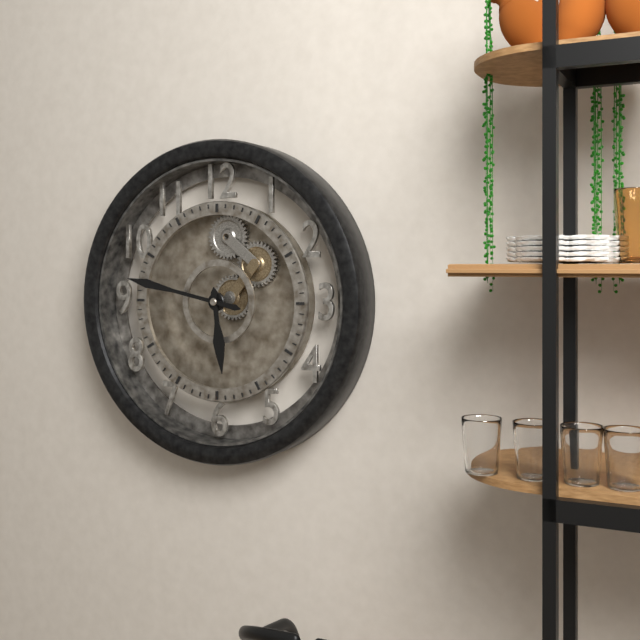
{"hour": 5, "minute": 47}
